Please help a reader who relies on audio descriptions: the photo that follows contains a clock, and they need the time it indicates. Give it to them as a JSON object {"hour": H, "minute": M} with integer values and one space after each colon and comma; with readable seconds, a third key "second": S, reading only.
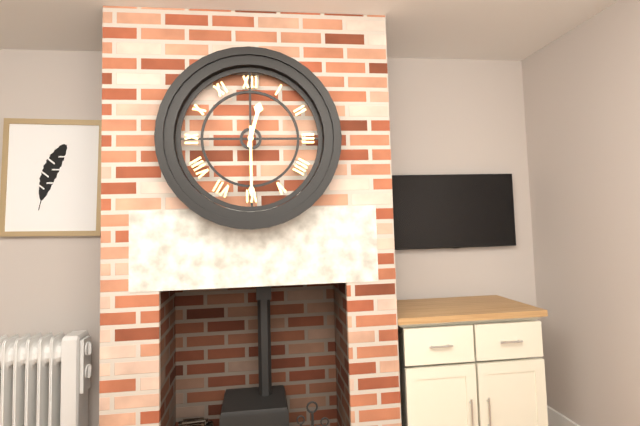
{"hour": 12, "minute": 30}
